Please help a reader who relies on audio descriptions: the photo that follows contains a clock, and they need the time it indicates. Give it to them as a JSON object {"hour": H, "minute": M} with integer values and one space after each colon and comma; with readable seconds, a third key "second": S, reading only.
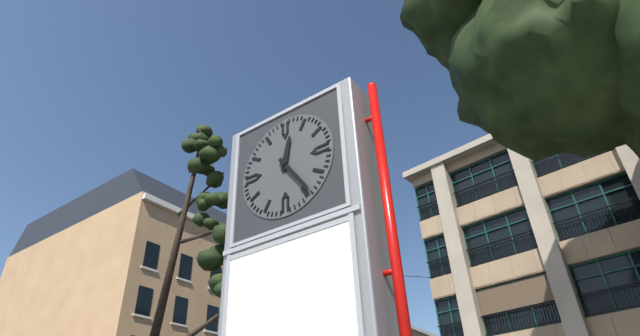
{"hour": 12, "minute": 24}
